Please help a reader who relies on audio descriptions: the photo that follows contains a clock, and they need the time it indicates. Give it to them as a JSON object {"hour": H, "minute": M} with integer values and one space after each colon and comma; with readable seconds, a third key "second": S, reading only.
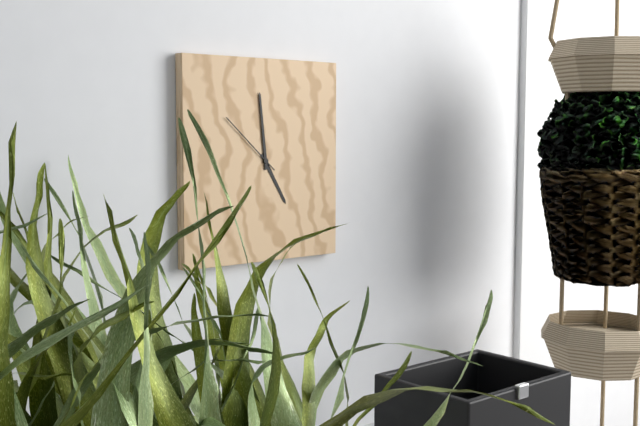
{"hour": 4, "minute": 59, "second": 52}
